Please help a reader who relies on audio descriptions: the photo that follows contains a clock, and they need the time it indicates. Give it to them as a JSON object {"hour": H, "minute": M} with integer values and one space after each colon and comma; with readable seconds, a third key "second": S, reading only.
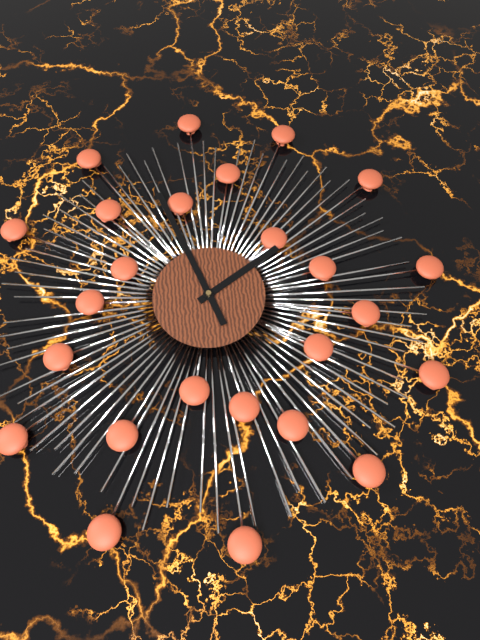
{"hour": 1, "minute": 57}
